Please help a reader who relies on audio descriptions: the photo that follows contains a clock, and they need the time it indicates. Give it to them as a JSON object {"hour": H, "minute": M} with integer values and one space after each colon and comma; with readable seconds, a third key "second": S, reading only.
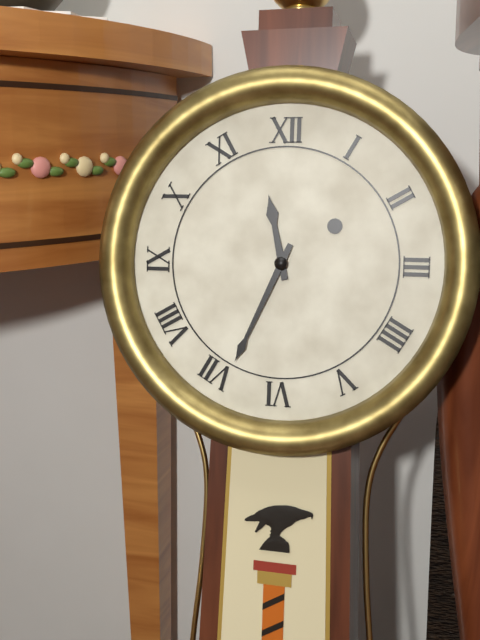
{"hour": 11, "minute": 34}
